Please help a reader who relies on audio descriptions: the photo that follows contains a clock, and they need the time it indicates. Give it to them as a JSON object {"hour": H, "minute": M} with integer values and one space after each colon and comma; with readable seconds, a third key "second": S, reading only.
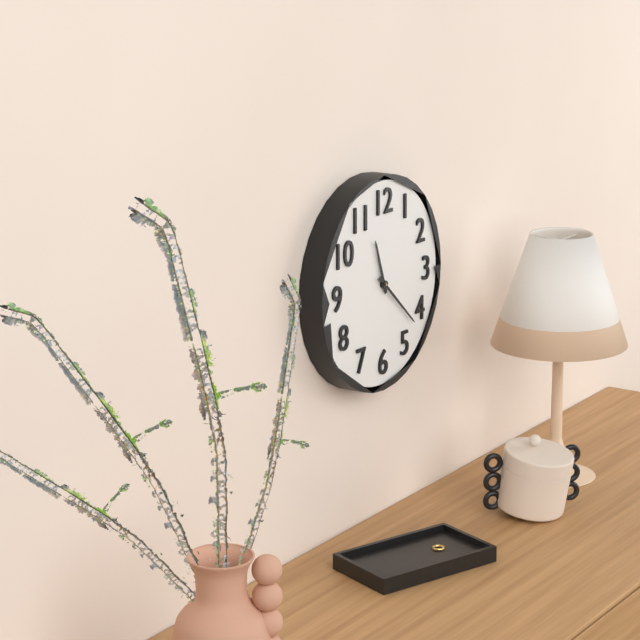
{"hour": 11, "minute": 22}
